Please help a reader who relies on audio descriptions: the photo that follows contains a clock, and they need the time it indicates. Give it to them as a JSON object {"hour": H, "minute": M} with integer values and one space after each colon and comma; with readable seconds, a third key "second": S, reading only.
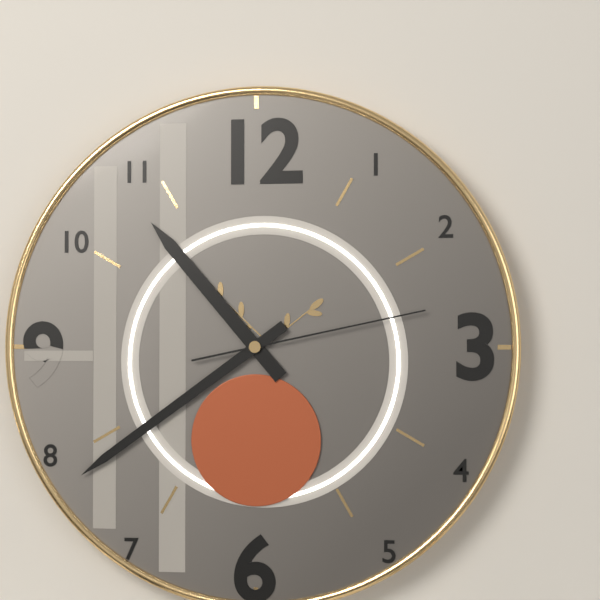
{"hour": 10, "minute": 39, "second": 13}
